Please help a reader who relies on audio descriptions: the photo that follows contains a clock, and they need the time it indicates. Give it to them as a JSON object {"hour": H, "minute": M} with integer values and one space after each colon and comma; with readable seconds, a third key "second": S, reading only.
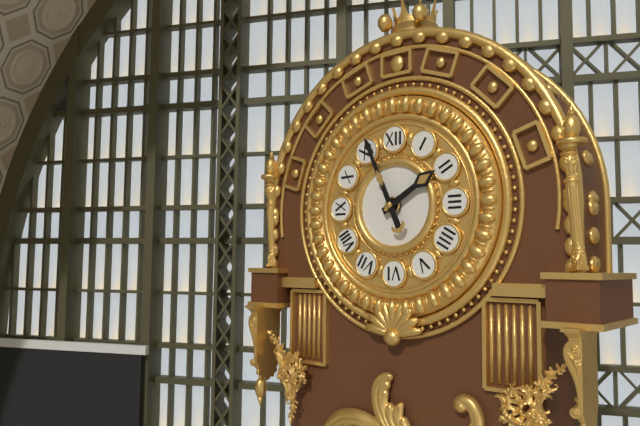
{"hour": 1, "minute": 56}
